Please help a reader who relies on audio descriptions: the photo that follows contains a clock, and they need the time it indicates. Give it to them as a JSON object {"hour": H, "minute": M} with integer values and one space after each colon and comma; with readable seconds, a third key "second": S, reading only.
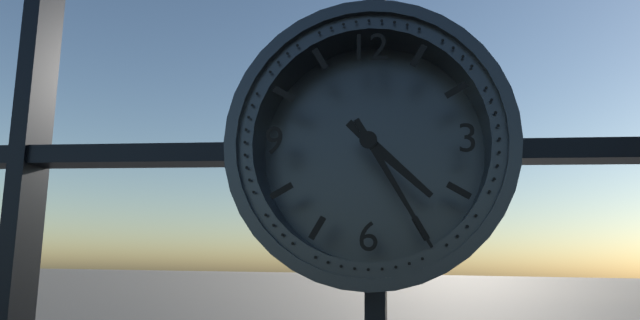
{"hour": 4, "minute": 25}
